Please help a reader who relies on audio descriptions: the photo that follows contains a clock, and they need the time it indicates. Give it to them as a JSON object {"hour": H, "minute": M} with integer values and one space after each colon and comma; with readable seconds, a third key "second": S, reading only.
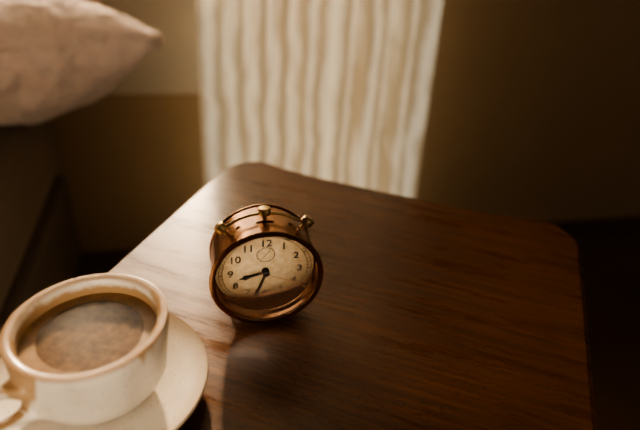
{"hour": 8, "minute": 33, "second": 19}
